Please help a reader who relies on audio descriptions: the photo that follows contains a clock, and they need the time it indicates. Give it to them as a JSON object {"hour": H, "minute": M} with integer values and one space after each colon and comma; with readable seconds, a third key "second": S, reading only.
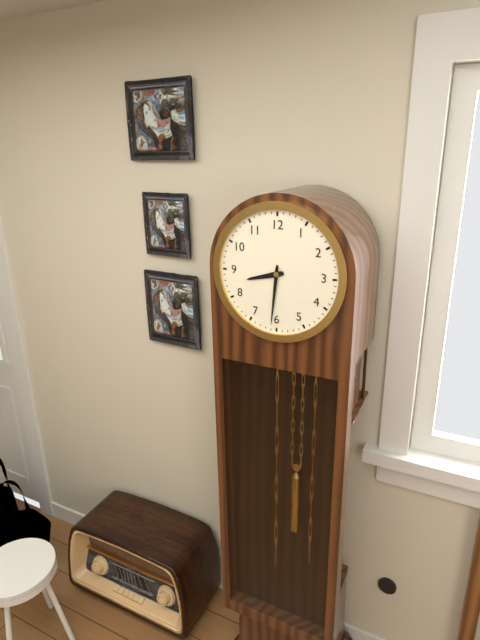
{"hour": 8, "minute": 31}
